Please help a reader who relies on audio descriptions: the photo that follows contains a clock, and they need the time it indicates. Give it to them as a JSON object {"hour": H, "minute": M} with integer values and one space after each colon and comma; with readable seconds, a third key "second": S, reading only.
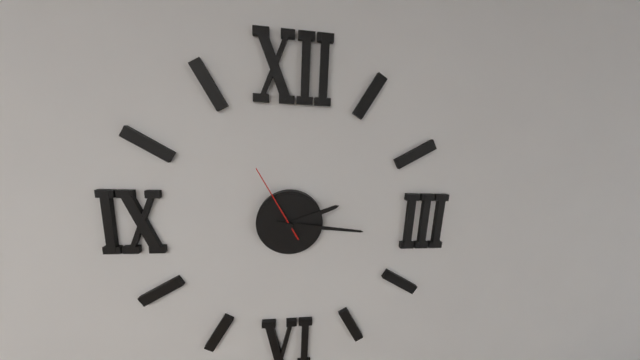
{"hour": 2, "minute": 16, "second": 55}
